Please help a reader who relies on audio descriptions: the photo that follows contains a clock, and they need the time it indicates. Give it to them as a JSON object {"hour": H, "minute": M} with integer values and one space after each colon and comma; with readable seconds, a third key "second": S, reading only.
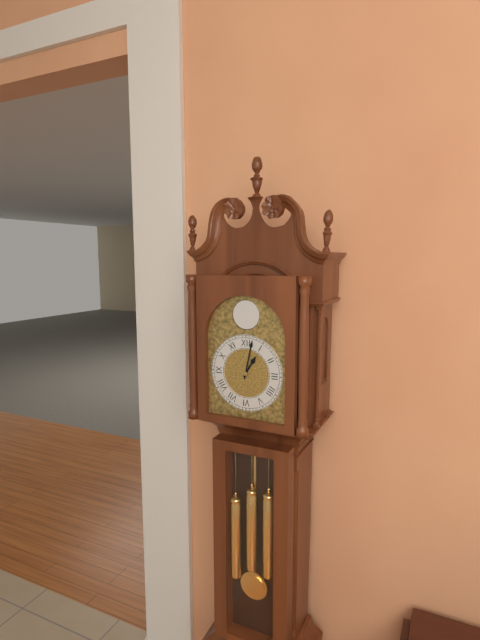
{"hour": 1, "minute": 2}
